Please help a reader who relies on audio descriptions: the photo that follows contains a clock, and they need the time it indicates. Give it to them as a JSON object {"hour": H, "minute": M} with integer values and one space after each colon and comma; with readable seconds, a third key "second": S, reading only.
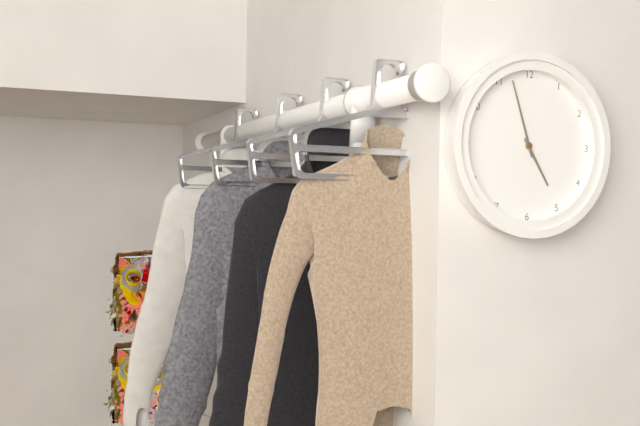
{"hour": 4, "minute": 57}
